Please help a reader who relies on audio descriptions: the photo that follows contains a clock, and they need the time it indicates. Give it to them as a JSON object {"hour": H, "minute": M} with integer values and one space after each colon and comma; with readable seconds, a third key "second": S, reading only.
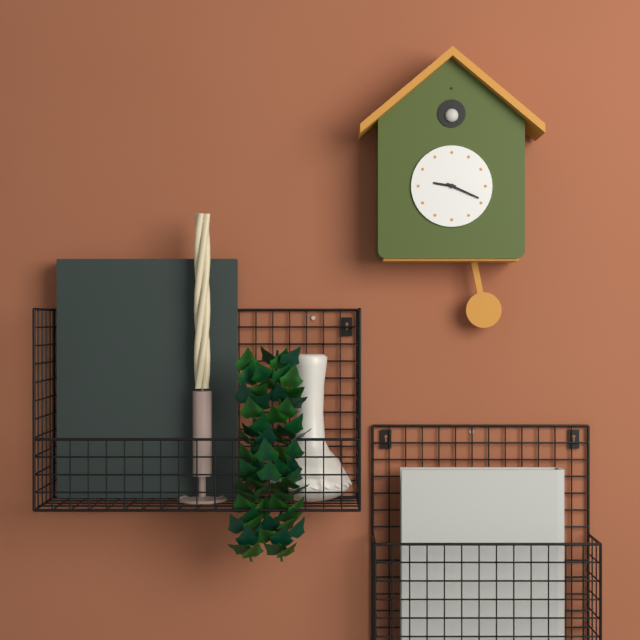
{"hour": 9, "minute": 19}
